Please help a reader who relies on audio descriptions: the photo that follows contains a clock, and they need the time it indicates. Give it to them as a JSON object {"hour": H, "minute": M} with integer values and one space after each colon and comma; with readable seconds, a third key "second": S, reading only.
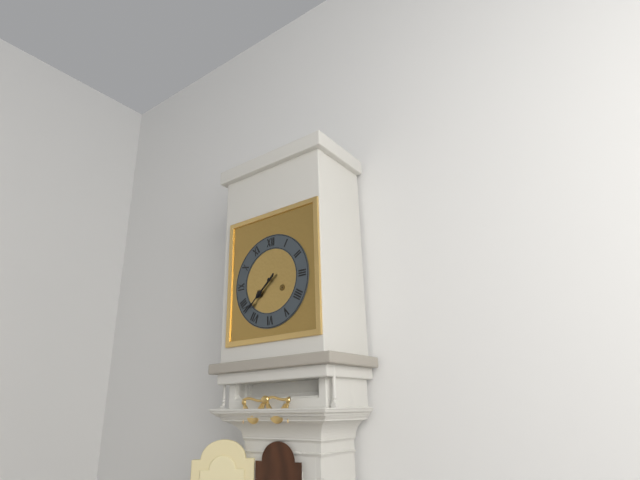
{"hour": 7, "minute": 38}
